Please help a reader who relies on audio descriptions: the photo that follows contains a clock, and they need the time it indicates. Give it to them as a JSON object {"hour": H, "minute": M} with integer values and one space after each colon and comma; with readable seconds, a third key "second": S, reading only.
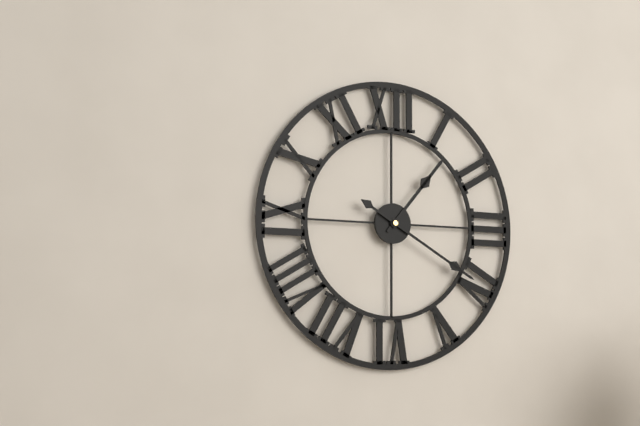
{"hour": 1, "minute": 20}
